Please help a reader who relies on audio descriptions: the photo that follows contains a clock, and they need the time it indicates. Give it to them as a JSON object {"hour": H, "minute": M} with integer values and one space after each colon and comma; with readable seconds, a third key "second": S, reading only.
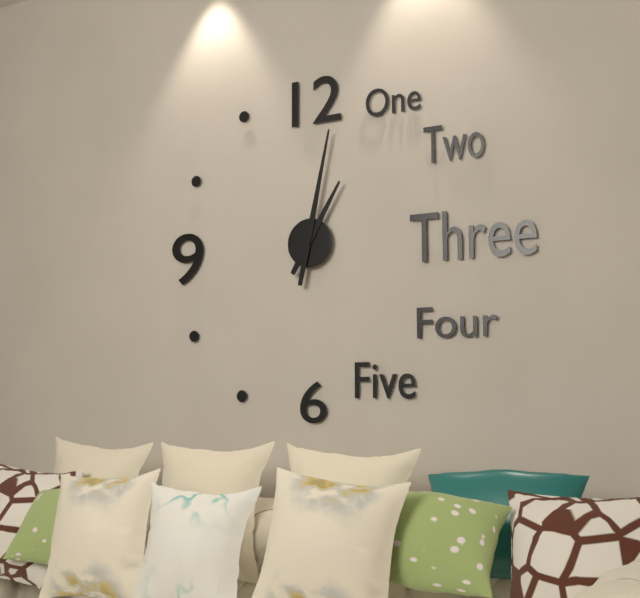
{"hour": 1, "minute": 2}
